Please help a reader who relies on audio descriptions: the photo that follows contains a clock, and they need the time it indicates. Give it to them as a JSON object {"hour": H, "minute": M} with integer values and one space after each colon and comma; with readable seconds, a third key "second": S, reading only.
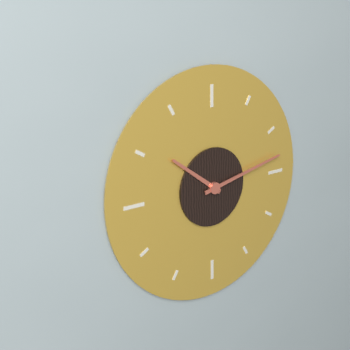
{"hour": 10, "minute": 13}
